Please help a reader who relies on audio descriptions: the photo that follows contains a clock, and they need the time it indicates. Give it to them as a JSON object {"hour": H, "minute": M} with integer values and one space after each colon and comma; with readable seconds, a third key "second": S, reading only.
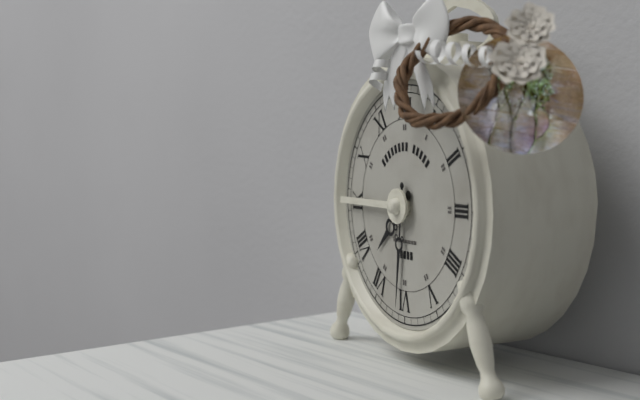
{"hour": 7, "minute": 31}
